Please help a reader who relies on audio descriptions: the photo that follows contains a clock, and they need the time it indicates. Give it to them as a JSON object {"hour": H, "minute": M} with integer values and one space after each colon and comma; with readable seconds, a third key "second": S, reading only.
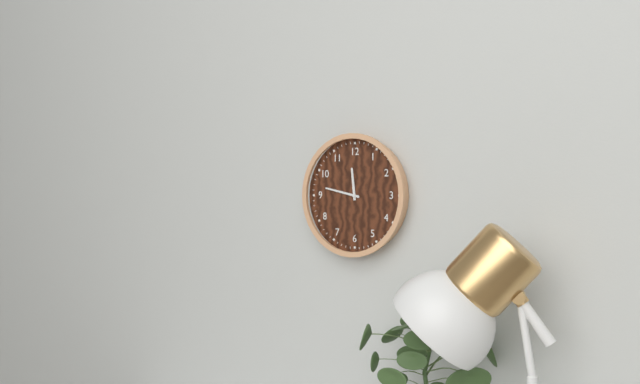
{"hour": 11, "minute": 47}
